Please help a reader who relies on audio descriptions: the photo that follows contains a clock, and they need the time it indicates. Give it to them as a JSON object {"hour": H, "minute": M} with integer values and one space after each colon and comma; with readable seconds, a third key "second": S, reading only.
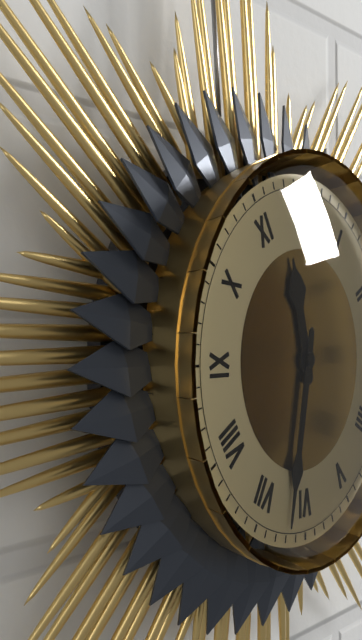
{"hour": 11, "minute": 32}
